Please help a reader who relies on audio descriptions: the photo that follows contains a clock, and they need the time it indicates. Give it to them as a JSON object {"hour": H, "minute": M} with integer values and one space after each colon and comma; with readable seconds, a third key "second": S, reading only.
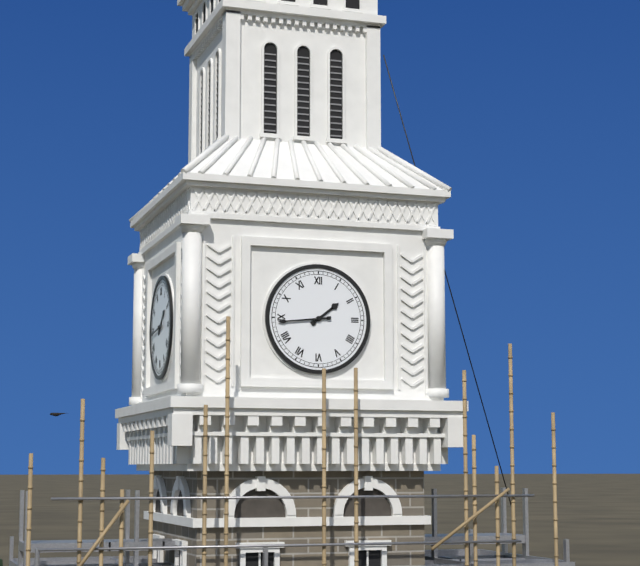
{"hour": 1, "minute": 44}
